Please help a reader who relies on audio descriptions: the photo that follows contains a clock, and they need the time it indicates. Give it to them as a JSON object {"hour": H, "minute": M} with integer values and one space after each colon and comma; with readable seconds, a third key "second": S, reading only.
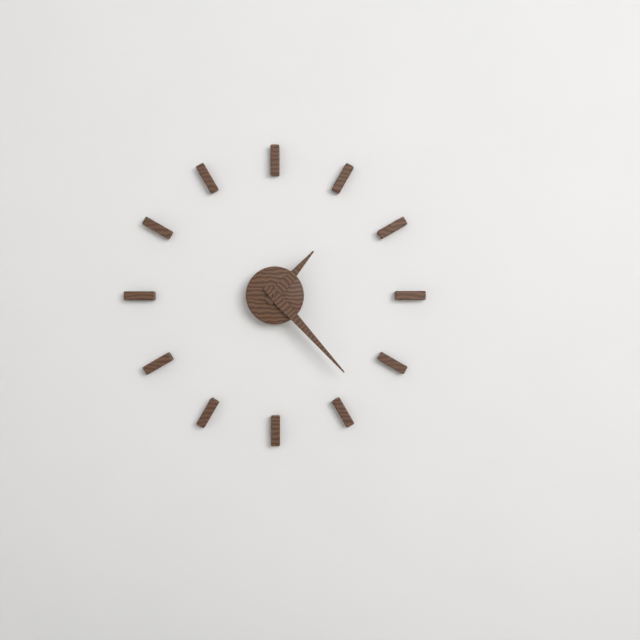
{"hour": 1, "minute": 23}
